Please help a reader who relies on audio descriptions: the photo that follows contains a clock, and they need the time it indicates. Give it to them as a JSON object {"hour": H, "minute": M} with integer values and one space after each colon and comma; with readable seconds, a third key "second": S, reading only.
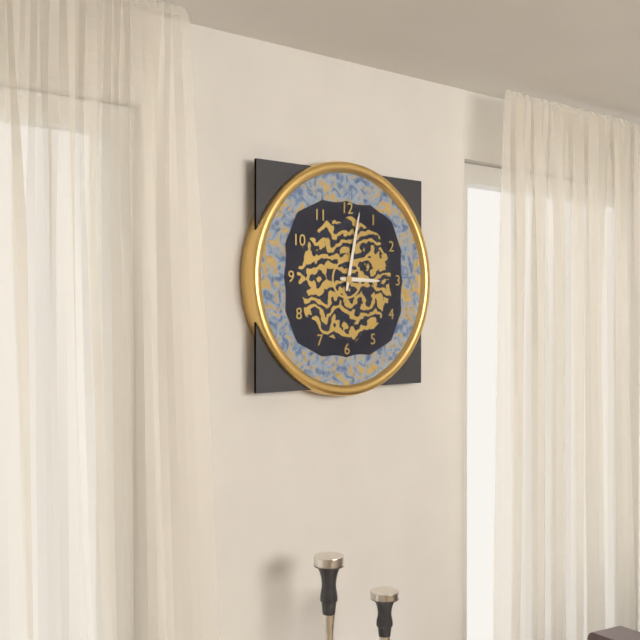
{"hour": 3, "minute": 2}
